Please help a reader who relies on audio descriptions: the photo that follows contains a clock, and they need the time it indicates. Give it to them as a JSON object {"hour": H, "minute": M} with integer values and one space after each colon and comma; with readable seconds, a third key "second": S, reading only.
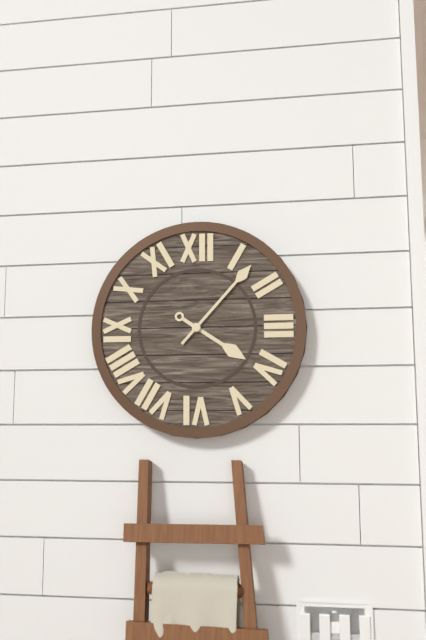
{"hour": 4, "minute": 7}
